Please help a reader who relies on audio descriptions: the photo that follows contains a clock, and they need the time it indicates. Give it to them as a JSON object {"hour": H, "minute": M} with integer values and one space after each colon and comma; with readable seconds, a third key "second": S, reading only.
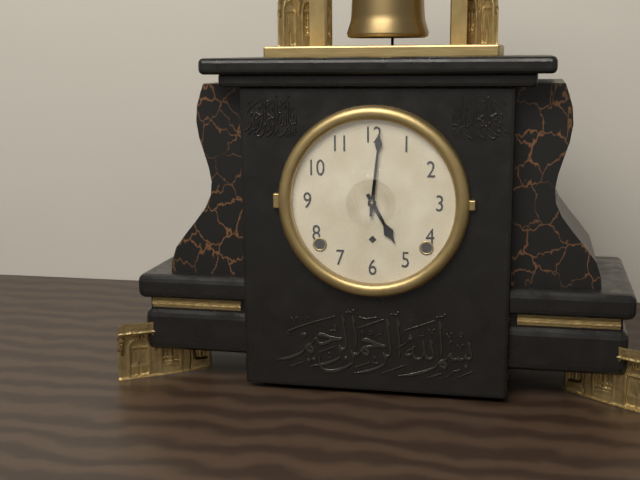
{"hour": 5, "minute": 1}
